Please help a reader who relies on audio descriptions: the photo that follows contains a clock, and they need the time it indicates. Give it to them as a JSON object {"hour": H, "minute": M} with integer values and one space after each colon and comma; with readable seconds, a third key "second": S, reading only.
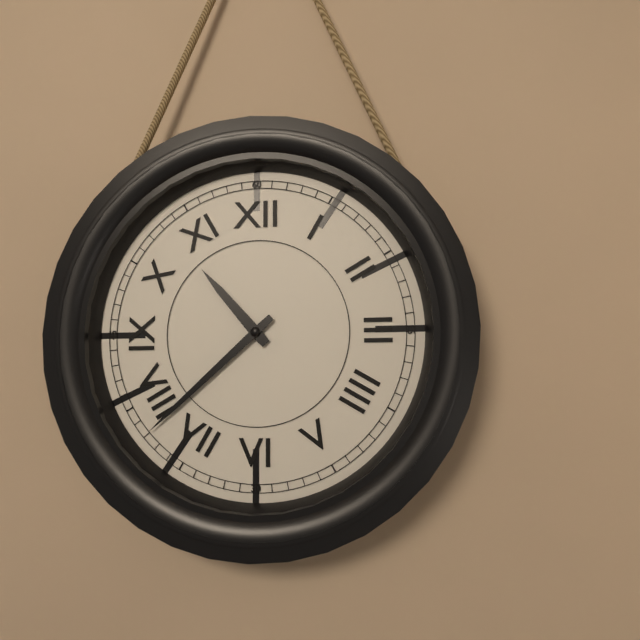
{"hour": 10, "minute": 38}
